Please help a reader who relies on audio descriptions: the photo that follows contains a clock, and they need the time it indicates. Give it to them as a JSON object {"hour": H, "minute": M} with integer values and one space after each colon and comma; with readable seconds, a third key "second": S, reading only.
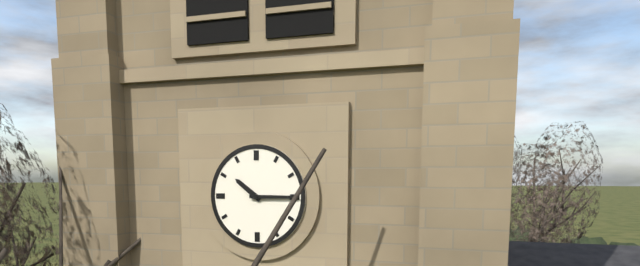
{"hour": 10, "minute": 15}
